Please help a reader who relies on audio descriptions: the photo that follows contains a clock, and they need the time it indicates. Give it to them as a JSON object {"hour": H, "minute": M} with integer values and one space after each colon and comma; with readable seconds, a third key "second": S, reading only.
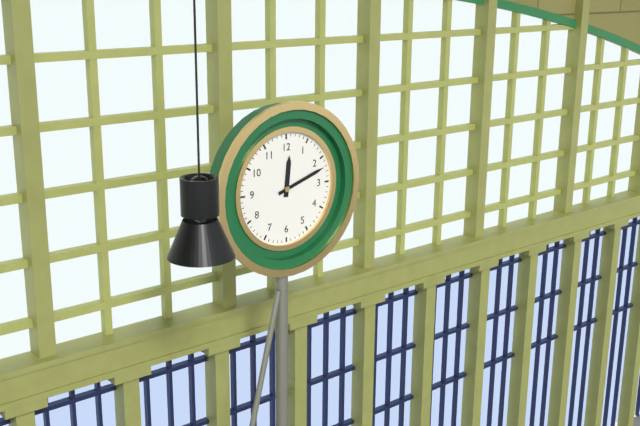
{"hour": 12, "minute": 12}
